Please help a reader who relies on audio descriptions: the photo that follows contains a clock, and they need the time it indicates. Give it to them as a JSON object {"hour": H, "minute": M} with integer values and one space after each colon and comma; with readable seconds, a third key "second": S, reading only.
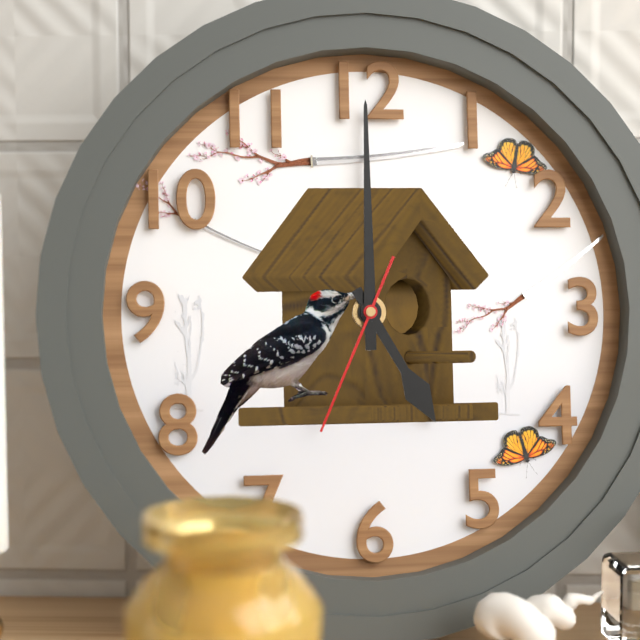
{"hour": 5, "minute": 0, "second": 34}
